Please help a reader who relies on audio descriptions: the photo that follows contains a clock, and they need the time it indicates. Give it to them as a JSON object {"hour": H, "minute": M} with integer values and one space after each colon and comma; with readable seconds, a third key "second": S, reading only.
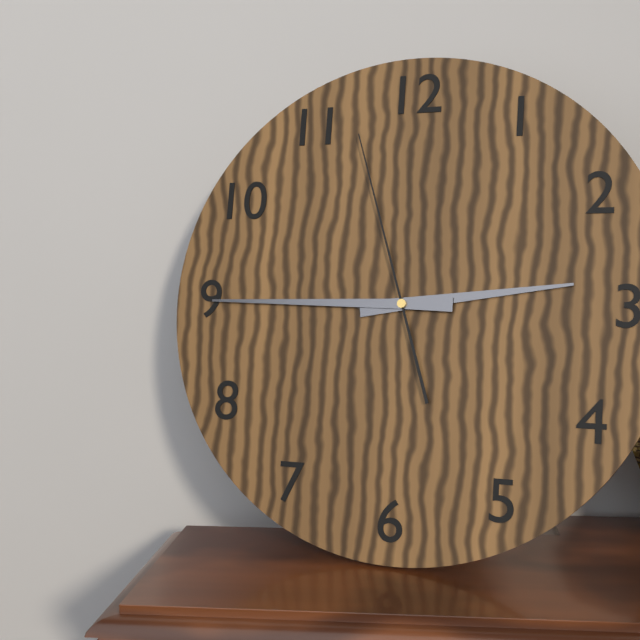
{"hour": 2, "minute": 45, "second": 57}
